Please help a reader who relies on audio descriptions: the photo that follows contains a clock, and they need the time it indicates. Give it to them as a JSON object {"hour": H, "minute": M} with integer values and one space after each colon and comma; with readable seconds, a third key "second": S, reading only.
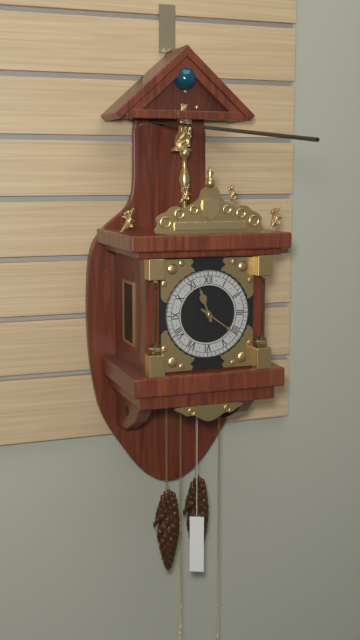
{"hour": 11, "minute": 21}
